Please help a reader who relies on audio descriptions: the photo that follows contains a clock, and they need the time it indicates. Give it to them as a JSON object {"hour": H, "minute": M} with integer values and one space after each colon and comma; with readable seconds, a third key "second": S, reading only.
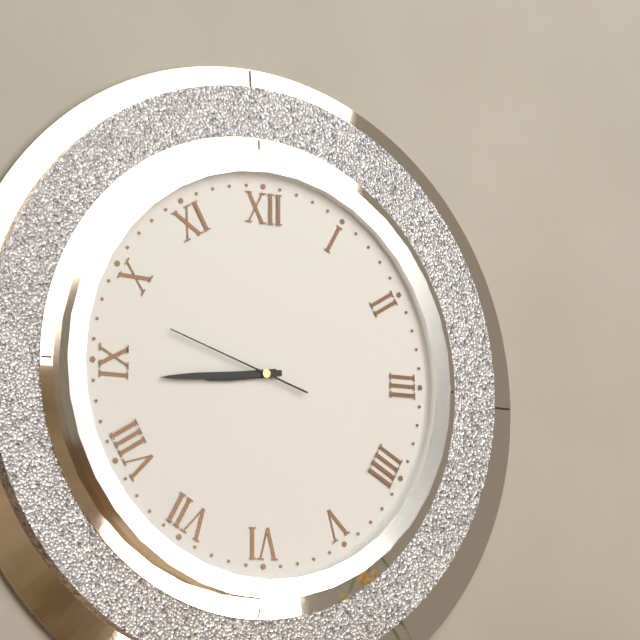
{"hour": 8, "minute": 44, "second": 48}
